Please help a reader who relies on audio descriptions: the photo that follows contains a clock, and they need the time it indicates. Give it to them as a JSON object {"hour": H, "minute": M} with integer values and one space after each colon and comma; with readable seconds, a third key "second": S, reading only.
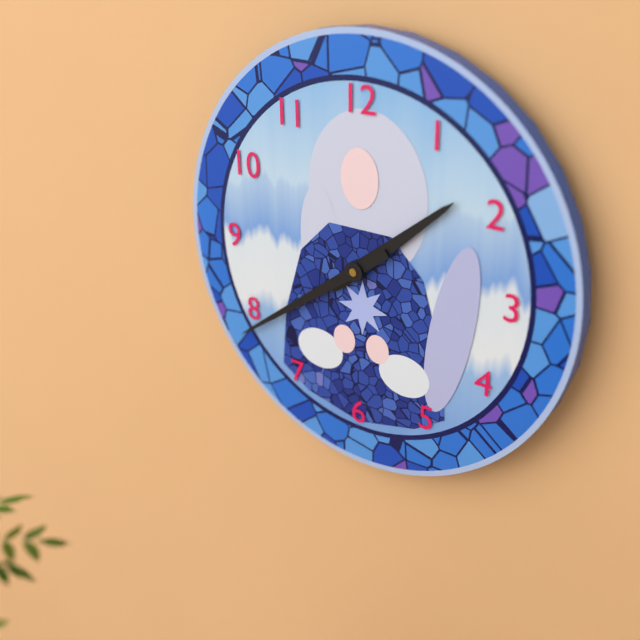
{"hour": 1, "minute": 39}
